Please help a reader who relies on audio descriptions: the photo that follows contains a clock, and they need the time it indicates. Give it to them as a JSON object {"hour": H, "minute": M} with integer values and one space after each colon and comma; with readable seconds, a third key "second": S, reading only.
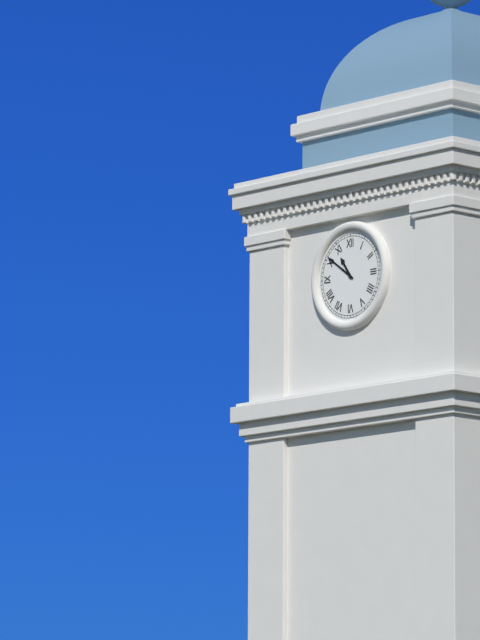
{"hour": 10, "minute": 51}
